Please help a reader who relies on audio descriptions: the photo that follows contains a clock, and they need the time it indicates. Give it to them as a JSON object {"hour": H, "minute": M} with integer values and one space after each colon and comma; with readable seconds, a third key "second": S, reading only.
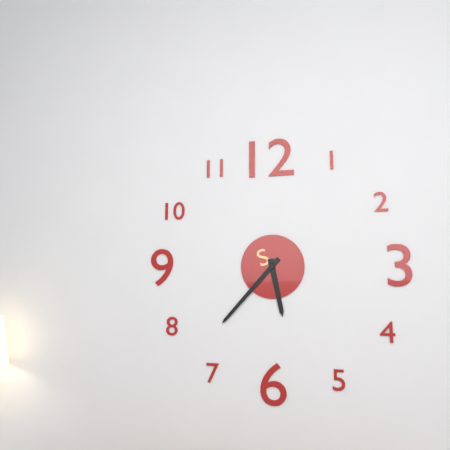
{"hour": 5, "minute": 37}
